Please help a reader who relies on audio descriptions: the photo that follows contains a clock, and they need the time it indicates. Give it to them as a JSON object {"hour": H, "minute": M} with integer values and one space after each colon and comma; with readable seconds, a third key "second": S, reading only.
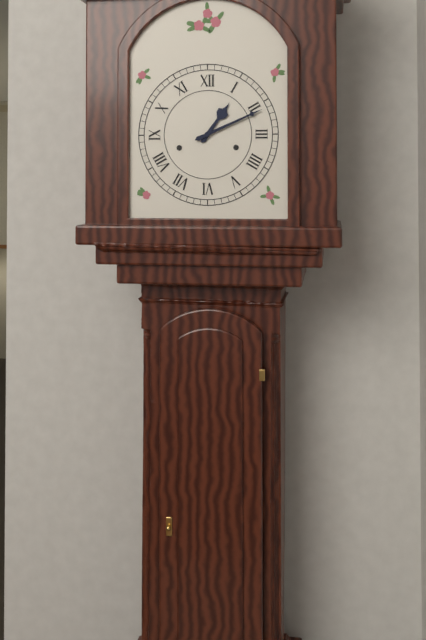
{"hour": 1, "minute": 11}
